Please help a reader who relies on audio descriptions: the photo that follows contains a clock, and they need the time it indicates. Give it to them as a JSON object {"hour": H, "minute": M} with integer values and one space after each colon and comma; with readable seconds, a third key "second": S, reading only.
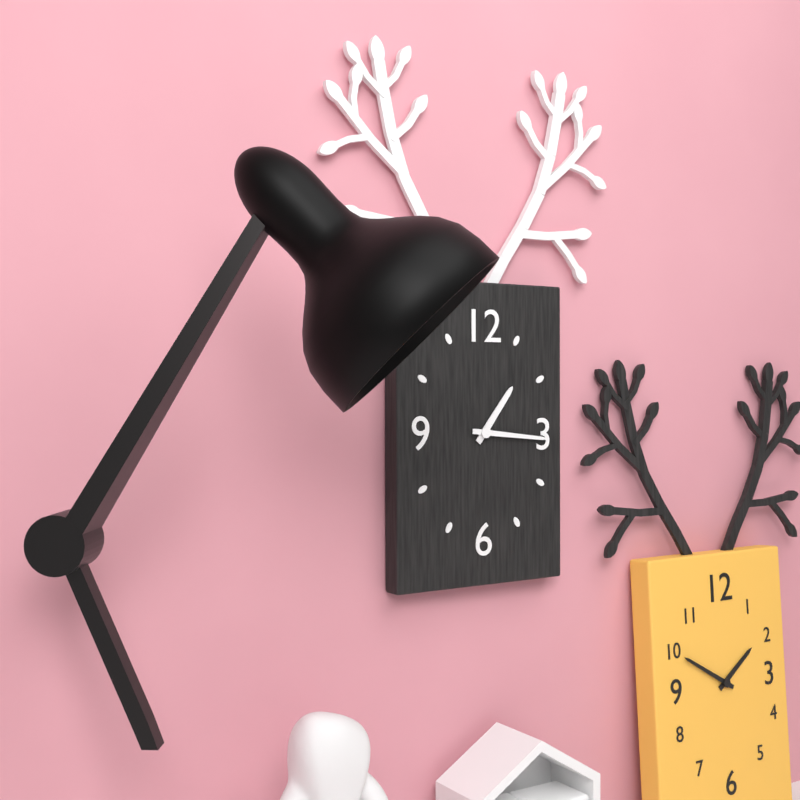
{"hour": 1, "minute": 16}
